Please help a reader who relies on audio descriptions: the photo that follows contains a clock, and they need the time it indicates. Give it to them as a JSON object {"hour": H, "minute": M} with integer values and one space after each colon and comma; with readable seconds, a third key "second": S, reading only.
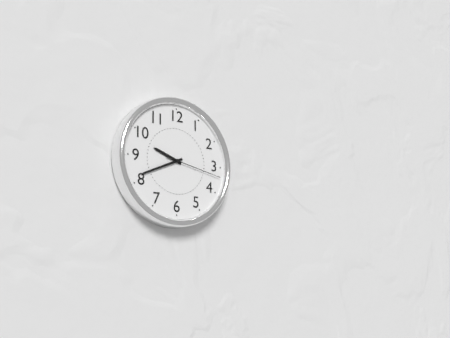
{"hour": 9, "minute": 41, "second": 17}
